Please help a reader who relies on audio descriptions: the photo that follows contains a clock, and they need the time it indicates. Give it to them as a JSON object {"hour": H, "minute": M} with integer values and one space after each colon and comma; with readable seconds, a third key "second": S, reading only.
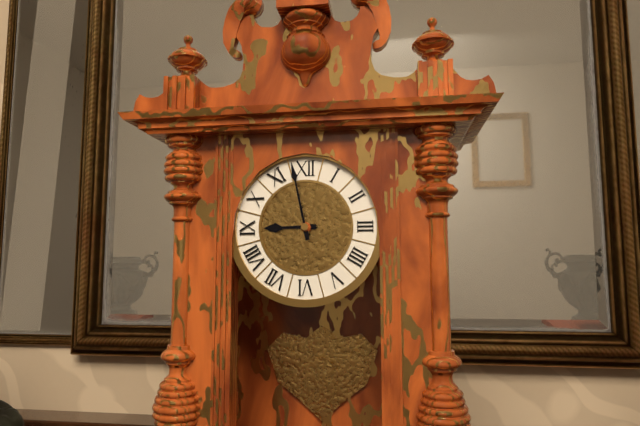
{"hour": 8, "minute": 58}
